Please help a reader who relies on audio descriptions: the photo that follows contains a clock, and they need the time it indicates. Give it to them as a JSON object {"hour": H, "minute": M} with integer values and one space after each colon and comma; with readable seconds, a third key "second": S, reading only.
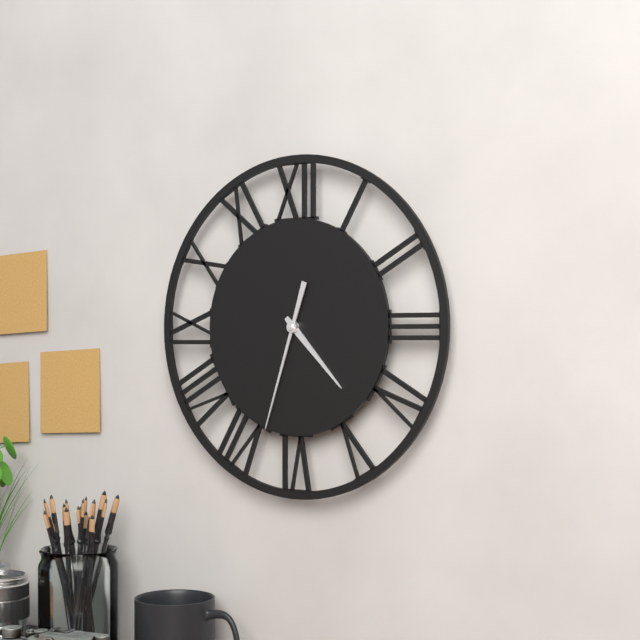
{"hour": 4, "minute": 33}
